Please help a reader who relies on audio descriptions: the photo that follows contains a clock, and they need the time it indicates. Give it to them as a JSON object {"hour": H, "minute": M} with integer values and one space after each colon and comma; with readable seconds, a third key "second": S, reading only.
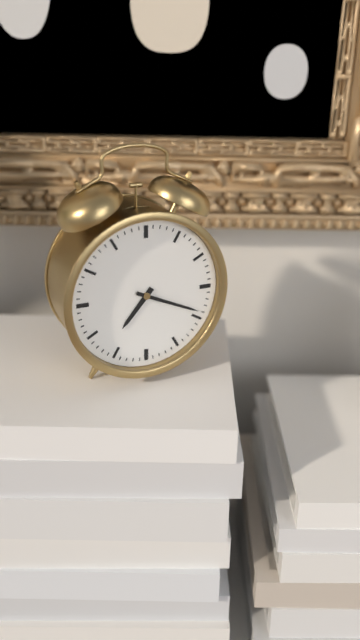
{"hour": 7, "minute": 19}
